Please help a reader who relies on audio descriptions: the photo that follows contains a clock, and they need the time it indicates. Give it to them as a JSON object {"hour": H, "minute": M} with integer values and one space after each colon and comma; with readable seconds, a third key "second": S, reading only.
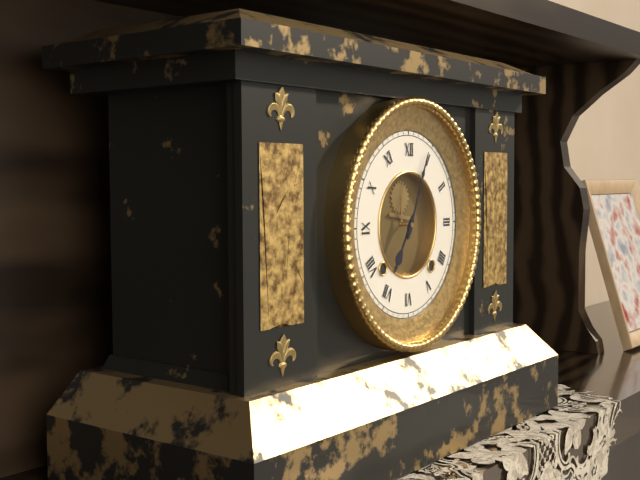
{"hour": 7, "minute": 4}
